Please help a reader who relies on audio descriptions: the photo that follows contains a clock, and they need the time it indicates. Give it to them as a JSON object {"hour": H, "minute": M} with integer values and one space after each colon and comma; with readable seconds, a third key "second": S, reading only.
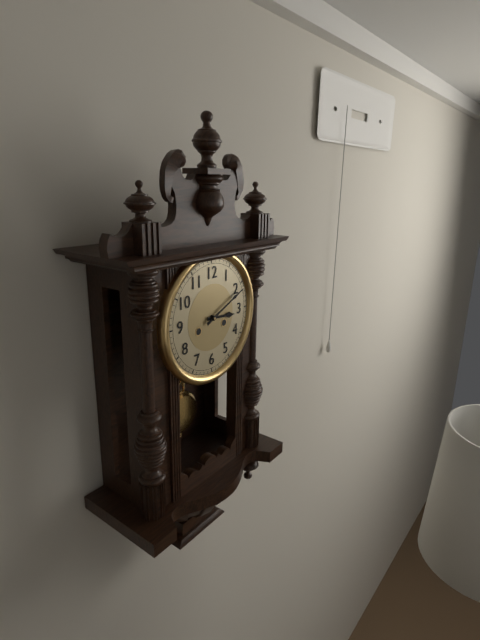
{"hour": 3, "minute": 11}
